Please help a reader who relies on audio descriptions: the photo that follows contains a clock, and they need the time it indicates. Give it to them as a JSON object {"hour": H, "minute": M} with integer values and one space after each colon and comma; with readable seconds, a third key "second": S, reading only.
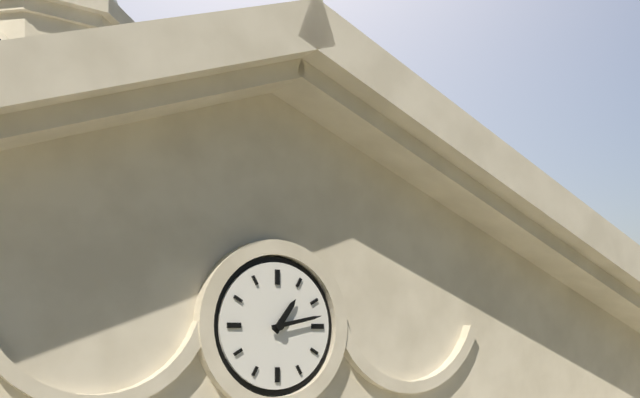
{"hour": 1, "minute": 13}
